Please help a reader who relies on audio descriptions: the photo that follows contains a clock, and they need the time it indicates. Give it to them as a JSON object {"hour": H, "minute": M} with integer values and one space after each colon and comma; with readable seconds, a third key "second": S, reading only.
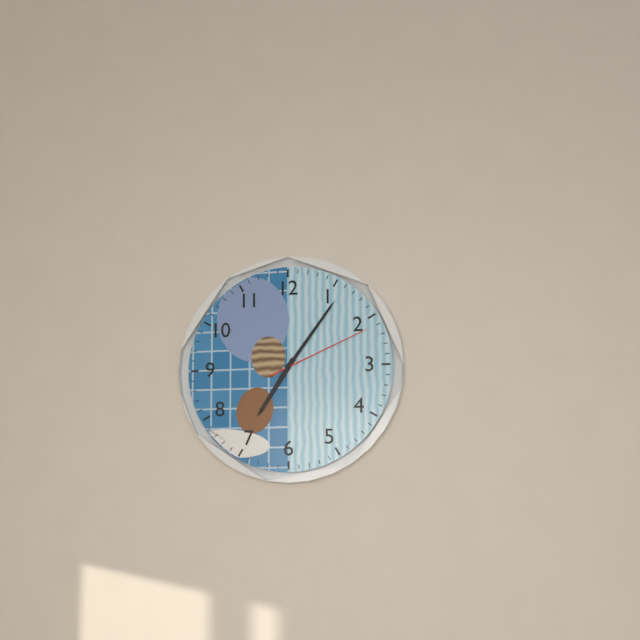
{"hour": 7, "minute": 6, "second": 11}
